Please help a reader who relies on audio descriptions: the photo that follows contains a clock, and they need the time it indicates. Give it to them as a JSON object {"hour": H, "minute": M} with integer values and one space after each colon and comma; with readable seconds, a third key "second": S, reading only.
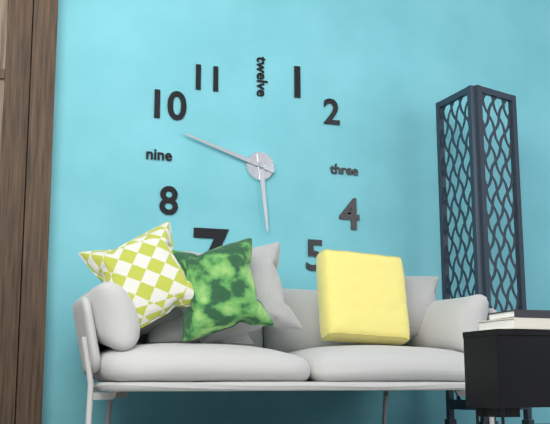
{"hour": 5, "minute": 48}
